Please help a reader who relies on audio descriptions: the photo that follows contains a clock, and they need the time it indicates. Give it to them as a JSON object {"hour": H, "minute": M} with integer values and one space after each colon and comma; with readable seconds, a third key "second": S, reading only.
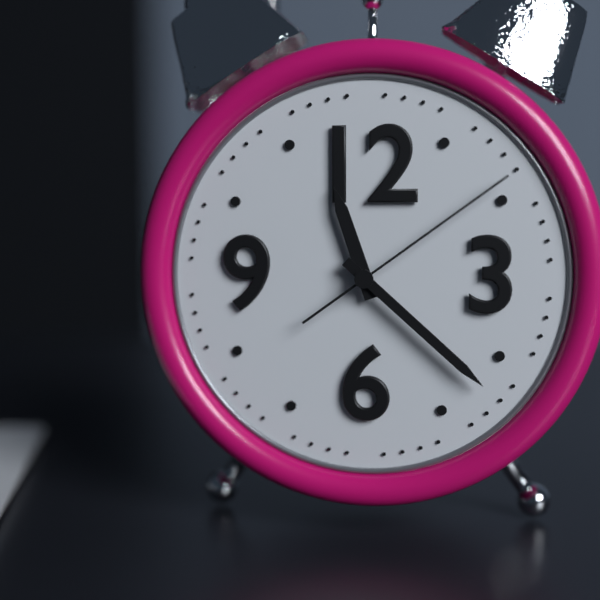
{"hour": 11, "minute": 22, "second": 9}
